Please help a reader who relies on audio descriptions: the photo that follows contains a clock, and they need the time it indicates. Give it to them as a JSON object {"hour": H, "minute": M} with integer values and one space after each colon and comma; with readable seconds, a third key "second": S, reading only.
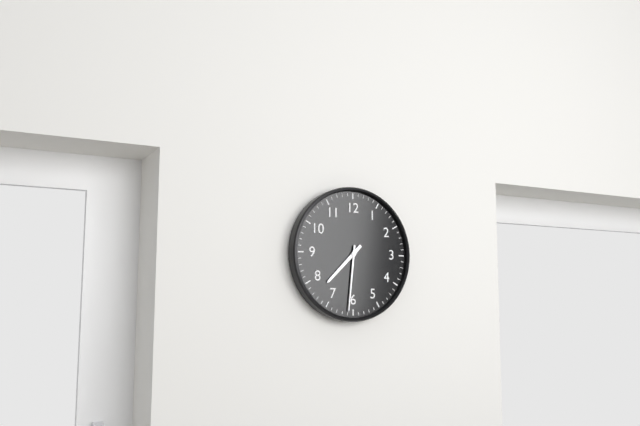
{"hour": 7, "minute": 31}
